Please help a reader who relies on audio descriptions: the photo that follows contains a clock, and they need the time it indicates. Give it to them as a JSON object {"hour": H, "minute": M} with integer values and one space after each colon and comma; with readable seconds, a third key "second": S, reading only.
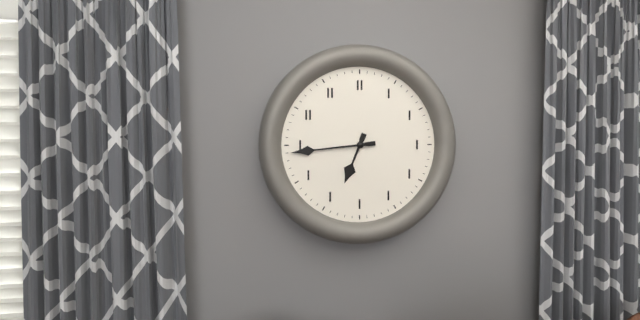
{"hour": 6, "minute": 44}
